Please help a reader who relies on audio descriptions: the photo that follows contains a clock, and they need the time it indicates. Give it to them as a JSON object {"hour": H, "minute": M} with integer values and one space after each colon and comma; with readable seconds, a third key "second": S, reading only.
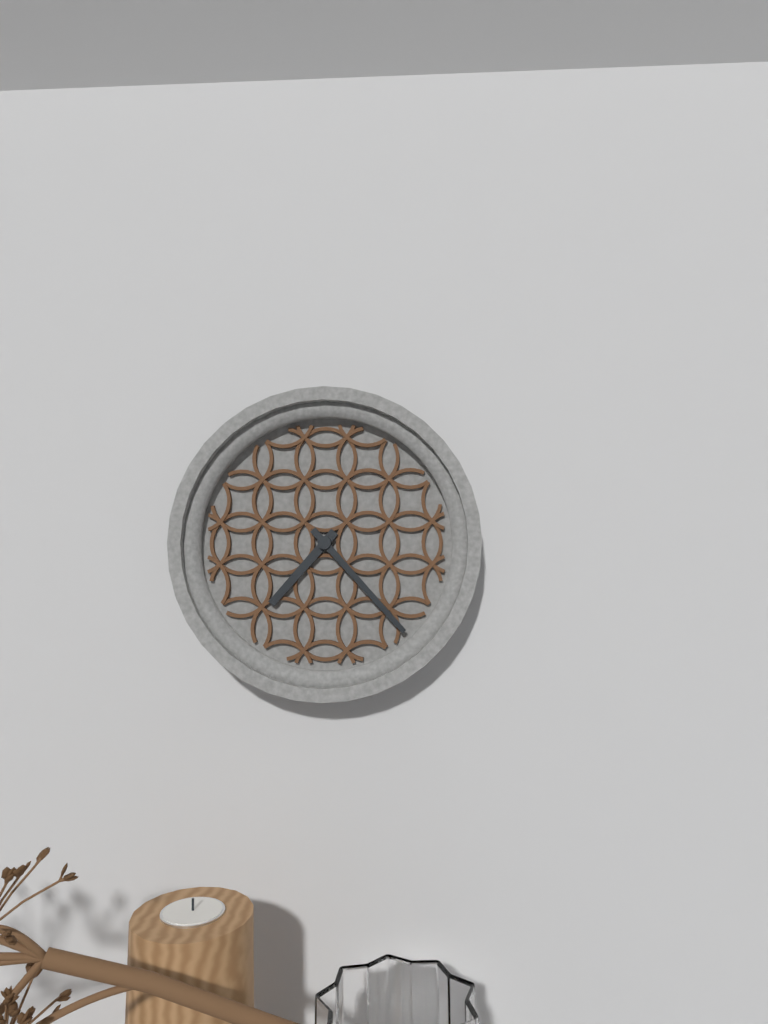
{"hour": 7, "minute": 23}
